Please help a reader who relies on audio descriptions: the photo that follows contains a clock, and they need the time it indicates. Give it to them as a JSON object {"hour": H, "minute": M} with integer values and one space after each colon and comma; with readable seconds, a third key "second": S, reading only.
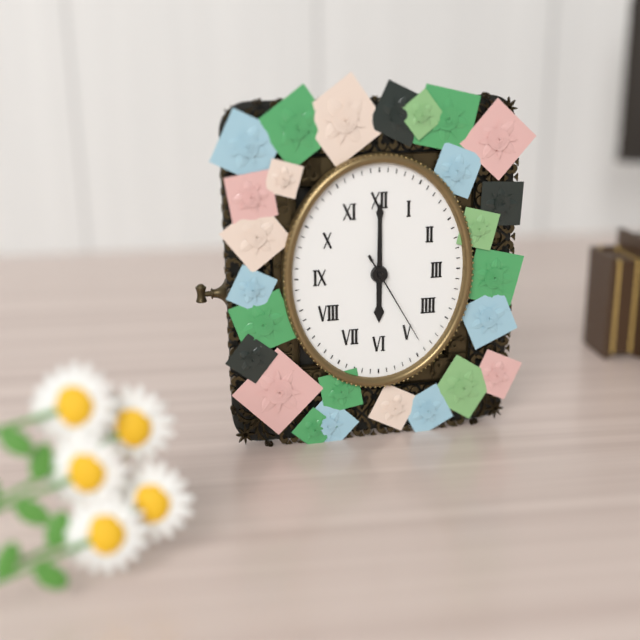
{"hour": 6, "minute": 0, "second": 25}
